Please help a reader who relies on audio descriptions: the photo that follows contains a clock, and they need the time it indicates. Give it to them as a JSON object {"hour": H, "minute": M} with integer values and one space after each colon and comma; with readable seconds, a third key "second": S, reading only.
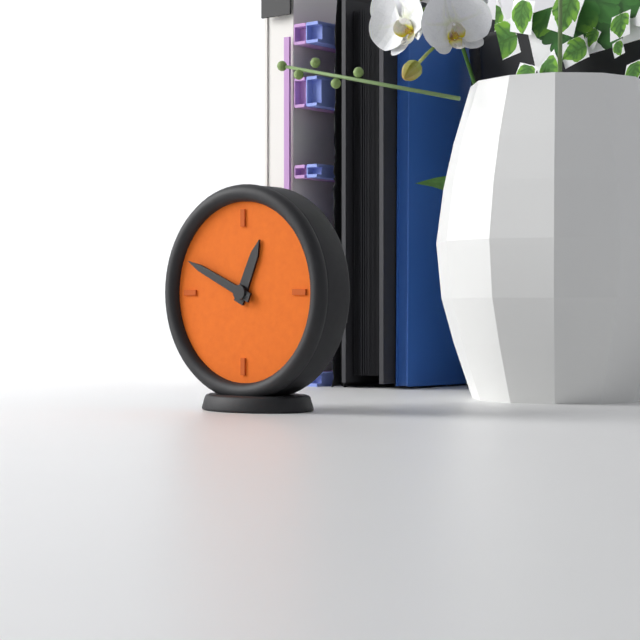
{"hour": 12, "minute": 49}
